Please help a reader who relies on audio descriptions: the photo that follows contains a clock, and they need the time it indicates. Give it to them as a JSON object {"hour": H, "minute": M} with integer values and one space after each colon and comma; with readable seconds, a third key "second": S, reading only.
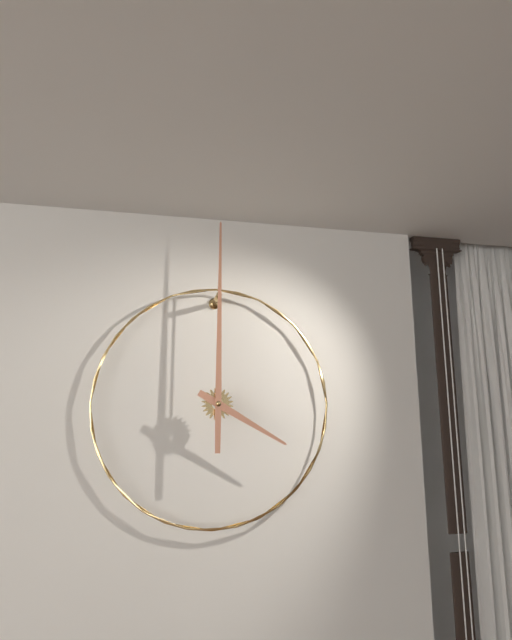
{"hour": 4, "minute": 0}
